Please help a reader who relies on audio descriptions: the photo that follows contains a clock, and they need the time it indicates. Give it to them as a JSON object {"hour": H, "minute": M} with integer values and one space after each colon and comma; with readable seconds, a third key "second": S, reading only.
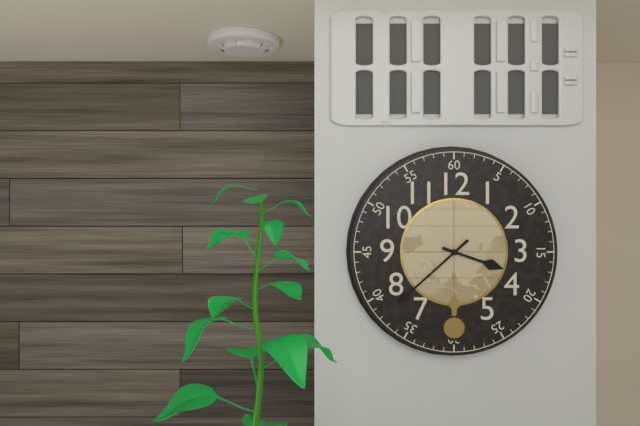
{"hour": 3, "minute": 38}
